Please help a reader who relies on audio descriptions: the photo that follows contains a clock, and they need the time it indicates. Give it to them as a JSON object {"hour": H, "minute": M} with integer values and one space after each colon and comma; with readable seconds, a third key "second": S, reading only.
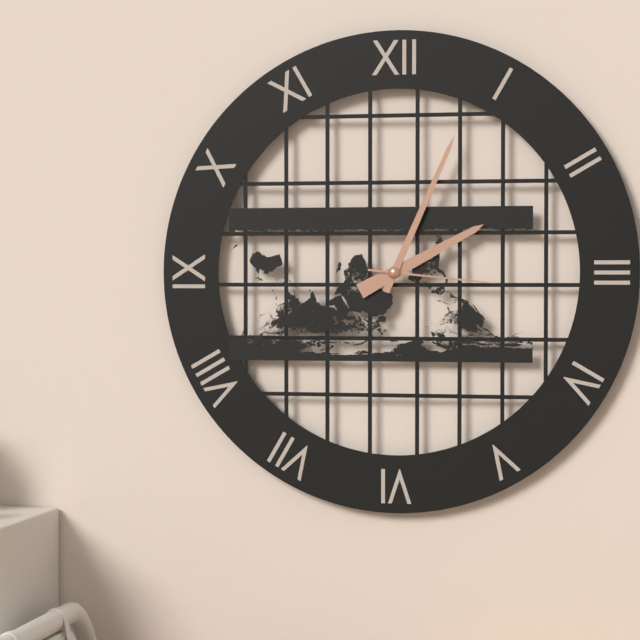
{"hour": 2, "minute": 4, "second": 16}
